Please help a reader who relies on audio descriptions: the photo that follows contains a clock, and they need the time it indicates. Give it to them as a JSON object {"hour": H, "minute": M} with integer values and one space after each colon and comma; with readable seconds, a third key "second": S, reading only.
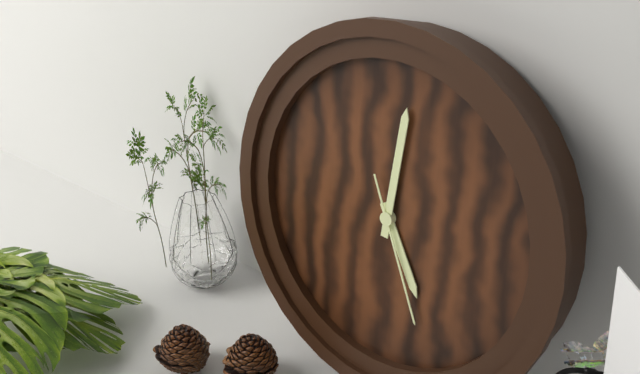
{"hour": 5, "minute": 1, "second": 26}
